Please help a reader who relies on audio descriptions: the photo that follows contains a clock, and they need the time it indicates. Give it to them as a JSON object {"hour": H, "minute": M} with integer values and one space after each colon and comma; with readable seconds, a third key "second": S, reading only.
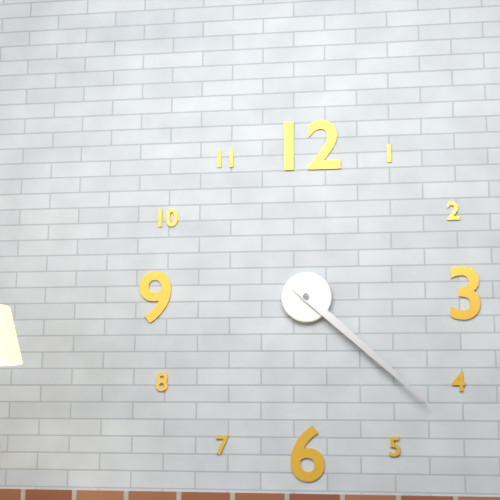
{"hour": 4, "minute": 22}
